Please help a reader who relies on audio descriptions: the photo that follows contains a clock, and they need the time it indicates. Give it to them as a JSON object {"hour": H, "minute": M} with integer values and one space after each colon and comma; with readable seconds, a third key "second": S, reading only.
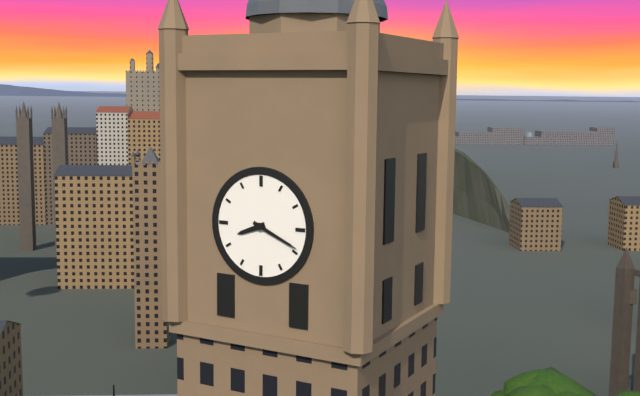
{"hour": 8, "minute": 19}
